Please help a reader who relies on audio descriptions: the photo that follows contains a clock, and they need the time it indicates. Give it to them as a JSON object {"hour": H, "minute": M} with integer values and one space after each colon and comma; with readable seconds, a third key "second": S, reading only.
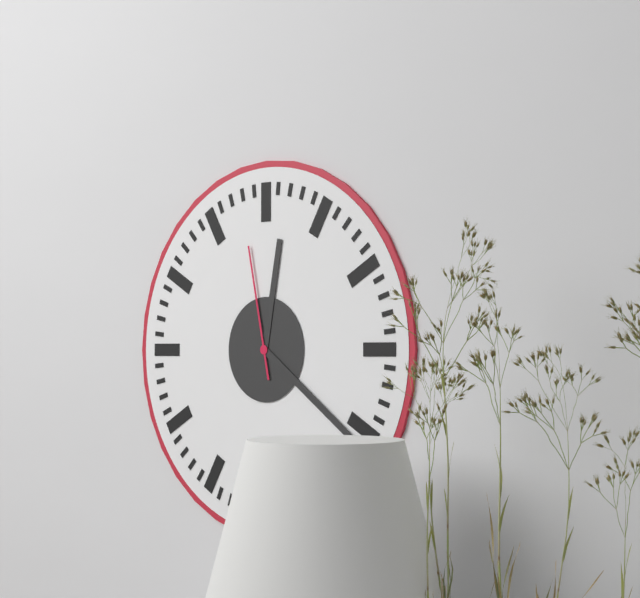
{"hour": 12, "minute": 21, "second": 58}
